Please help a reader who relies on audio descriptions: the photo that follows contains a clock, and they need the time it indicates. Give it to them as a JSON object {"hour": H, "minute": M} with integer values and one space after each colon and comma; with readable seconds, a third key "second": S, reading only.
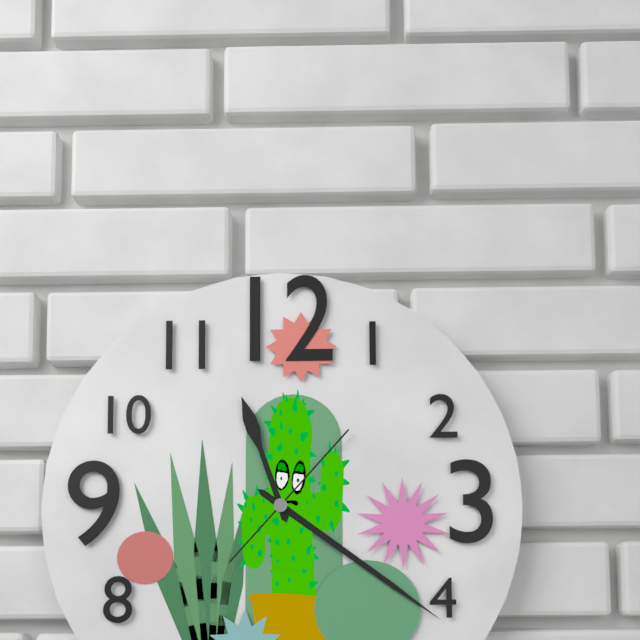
{"hour": 11, "minute": 21, "second": 7}
